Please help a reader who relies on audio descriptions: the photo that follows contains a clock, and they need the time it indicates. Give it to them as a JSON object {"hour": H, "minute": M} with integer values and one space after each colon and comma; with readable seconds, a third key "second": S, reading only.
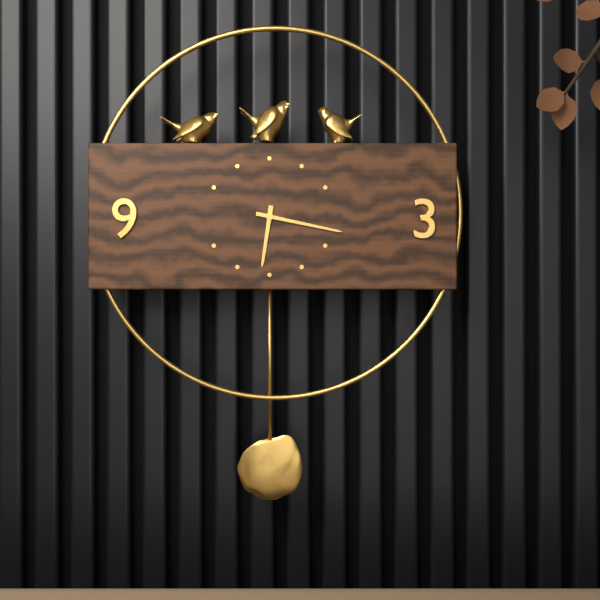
{"hour": 6, "minute": 17}
